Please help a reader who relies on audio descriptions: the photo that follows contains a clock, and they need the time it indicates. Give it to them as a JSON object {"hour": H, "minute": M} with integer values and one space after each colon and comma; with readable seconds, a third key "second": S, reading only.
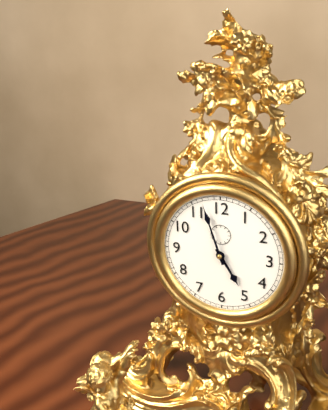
{"hour": 4, "minute": 57}
